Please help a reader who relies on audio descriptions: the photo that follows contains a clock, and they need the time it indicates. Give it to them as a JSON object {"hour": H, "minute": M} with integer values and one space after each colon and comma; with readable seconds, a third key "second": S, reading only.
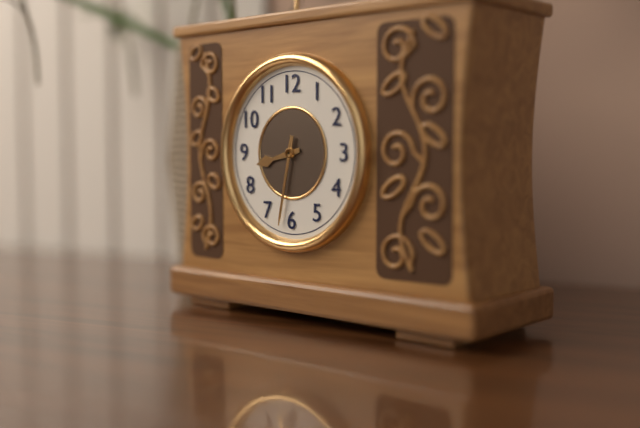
{"hour": 8, "minute": 32}
